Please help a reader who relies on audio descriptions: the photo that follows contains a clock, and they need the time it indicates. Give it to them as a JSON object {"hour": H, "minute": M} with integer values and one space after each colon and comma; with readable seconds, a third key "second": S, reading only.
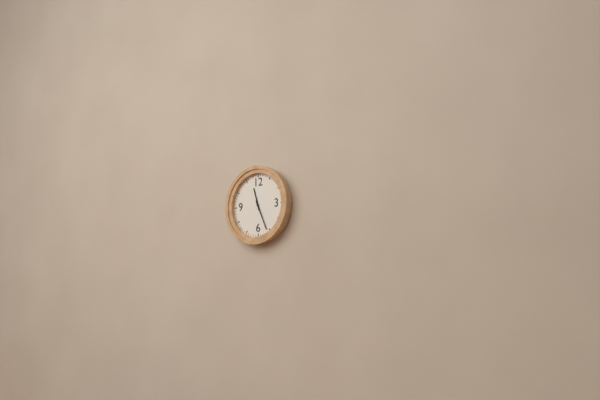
{"hour": 11, "minute": 26}
